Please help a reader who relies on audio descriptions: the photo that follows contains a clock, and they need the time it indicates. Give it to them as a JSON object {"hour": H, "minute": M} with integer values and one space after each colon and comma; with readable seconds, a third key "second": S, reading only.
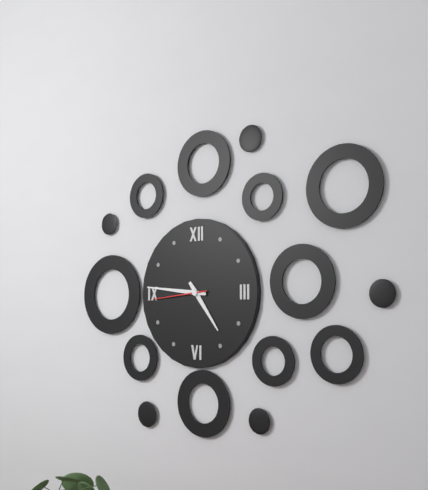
{"hour": 4, "minute": 46, "second": 44}
